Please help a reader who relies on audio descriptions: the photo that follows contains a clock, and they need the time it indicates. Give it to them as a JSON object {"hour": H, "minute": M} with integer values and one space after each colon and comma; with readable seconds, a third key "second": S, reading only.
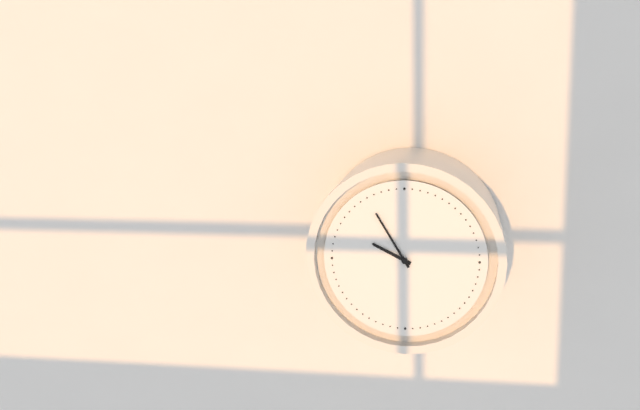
{"hour": 9, "minute": 55}
